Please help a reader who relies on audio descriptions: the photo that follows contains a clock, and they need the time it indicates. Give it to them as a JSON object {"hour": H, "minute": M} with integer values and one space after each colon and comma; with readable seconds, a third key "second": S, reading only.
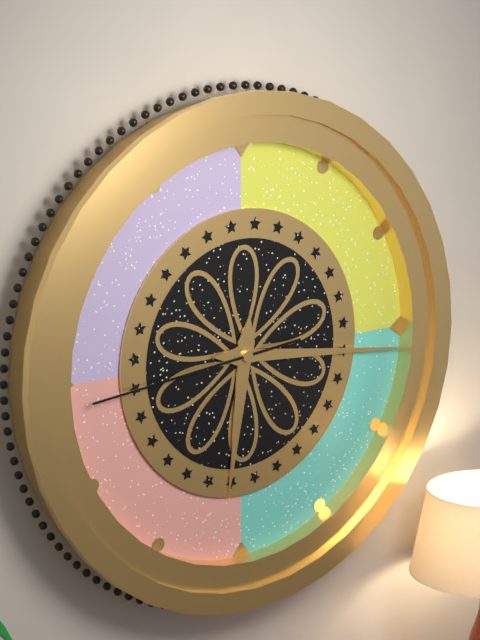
{"hour": 6, "minute": 16, "second": 44}
